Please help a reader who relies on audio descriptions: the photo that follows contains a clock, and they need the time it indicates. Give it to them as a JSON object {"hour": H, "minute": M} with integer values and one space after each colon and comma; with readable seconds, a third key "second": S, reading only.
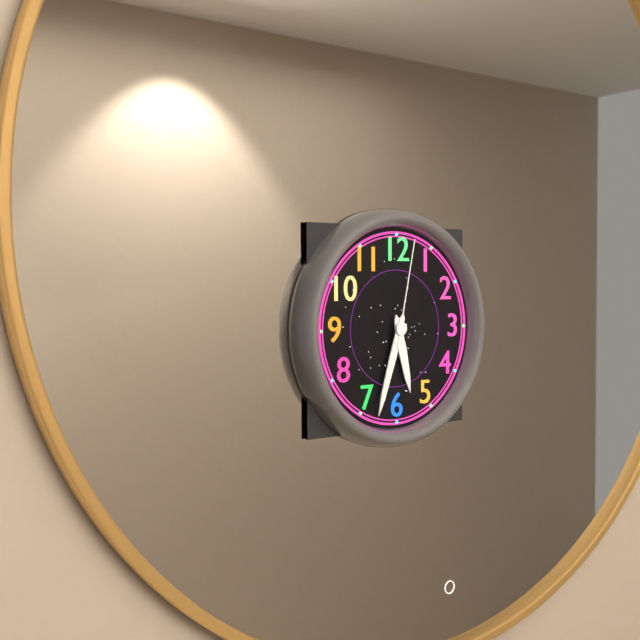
{"hour": 5, "minute": 33, "second": 2}
